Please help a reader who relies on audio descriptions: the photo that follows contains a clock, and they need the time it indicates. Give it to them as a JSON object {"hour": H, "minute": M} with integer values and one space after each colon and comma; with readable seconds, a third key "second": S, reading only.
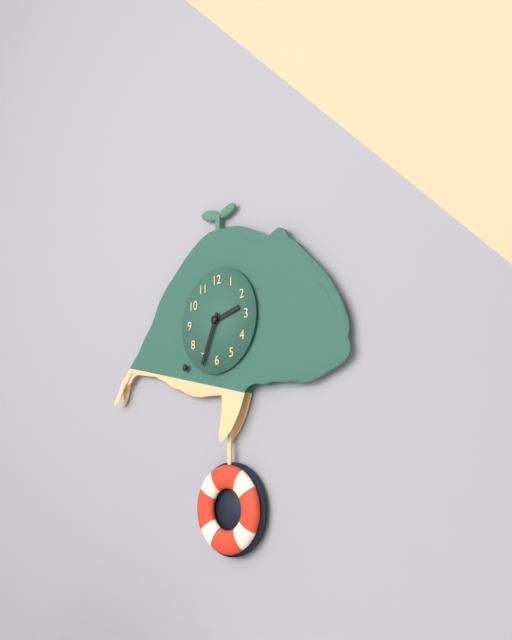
{"hour": 2, "minute": 34}
